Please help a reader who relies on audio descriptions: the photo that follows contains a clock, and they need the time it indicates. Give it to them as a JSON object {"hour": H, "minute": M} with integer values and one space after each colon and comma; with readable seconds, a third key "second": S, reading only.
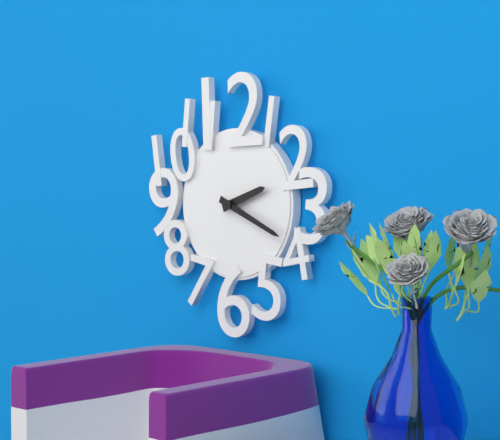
{"hour": 2, "minute": 19}
